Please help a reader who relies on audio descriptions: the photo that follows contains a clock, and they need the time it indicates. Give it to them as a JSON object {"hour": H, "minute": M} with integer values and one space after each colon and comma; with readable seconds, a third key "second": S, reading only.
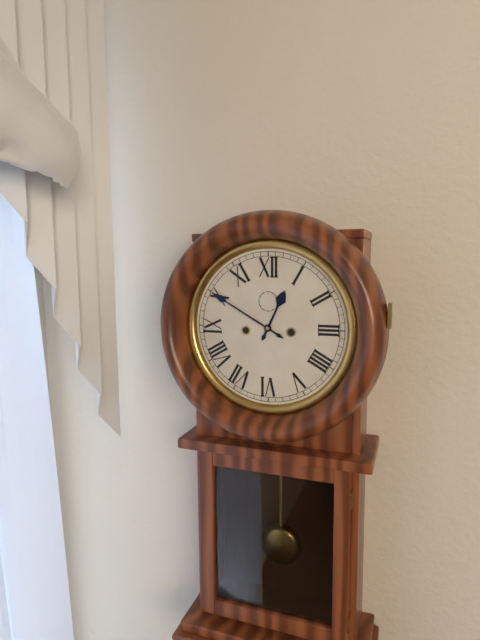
{"hour": 12, "minute": 50}
